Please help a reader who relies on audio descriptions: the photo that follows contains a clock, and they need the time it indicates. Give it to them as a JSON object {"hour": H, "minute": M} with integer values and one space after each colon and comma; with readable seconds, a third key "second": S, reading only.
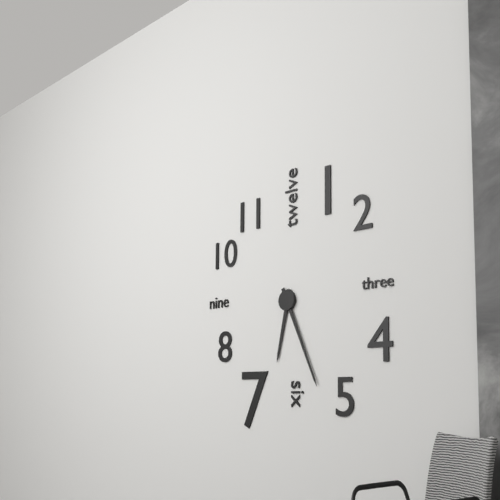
{"hour": 6, "minute": 26}
